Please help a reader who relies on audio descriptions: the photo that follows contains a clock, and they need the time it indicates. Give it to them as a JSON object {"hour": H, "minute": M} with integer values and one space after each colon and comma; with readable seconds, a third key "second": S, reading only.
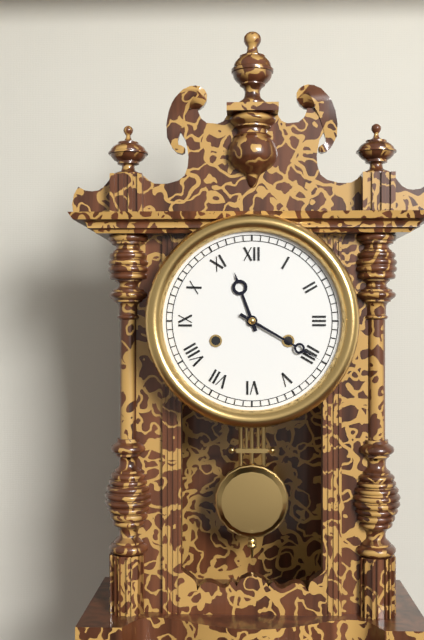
{"hour": 11, "minute": 20}
